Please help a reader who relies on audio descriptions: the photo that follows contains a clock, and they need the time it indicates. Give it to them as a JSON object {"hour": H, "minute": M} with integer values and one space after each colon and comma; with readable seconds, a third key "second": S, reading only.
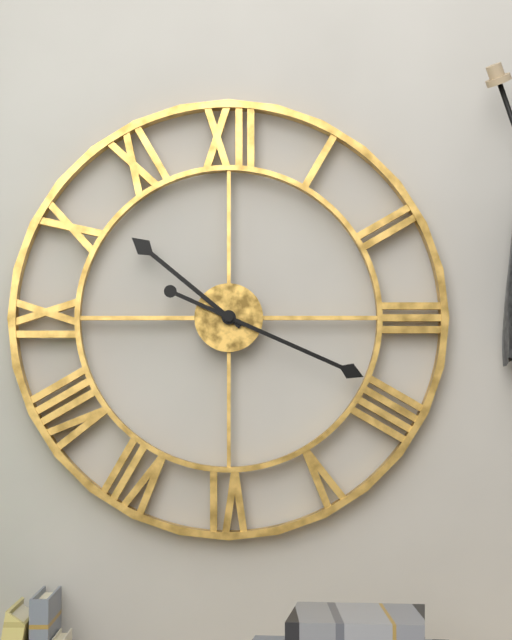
{"hour": 10, "minute": 19}
